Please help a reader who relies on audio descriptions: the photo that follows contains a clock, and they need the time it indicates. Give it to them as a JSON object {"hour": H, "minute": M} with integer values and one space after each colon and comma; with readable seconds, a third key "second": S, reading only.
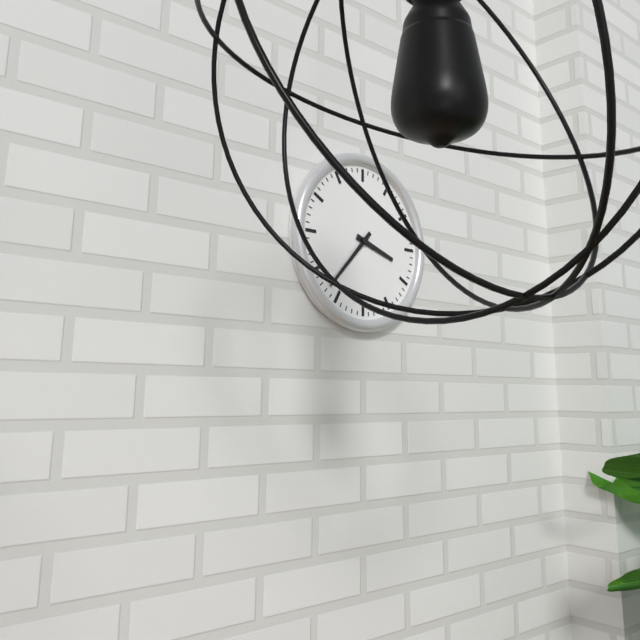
{"hour": 3, "minute": 37}
